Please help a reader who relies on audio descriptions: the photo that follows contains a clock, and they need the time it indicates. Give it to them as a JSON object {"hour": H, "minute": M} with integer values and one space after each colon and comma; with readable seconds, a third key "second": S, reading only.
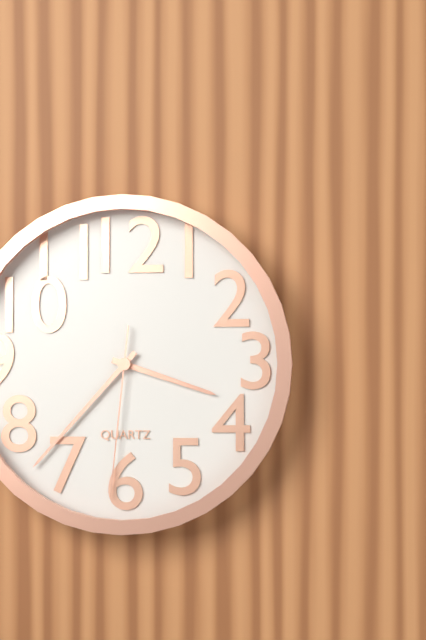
{"hour": 3, "minute": 37, "second": 31}
